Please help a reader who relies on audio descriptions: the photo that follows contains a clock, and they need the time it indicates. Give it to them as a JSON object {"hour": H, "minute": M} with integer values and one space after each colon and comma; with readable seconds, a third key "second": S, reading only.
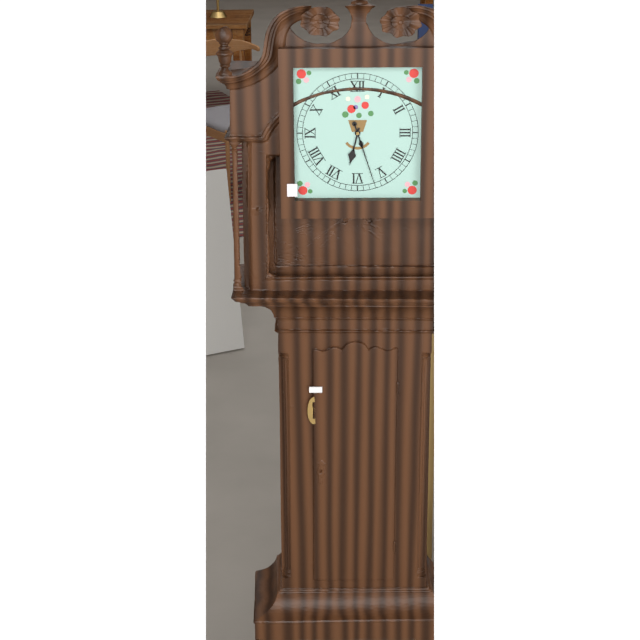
{"hour": 6, "minute": 27}
